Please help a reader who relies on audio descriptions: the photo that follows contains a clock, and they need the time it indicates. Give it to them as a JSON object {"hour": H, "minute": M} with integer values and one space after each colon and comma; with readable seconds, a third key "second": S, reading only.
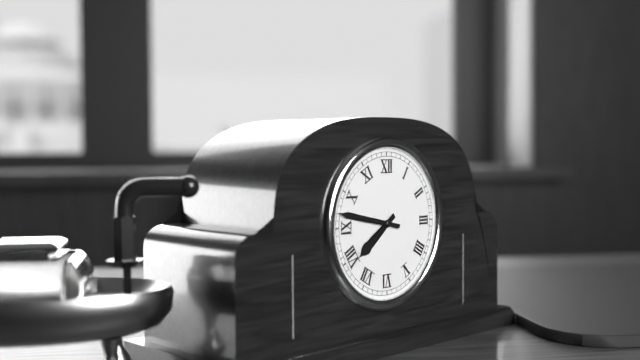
{"hour": 7, "minute": 47}
